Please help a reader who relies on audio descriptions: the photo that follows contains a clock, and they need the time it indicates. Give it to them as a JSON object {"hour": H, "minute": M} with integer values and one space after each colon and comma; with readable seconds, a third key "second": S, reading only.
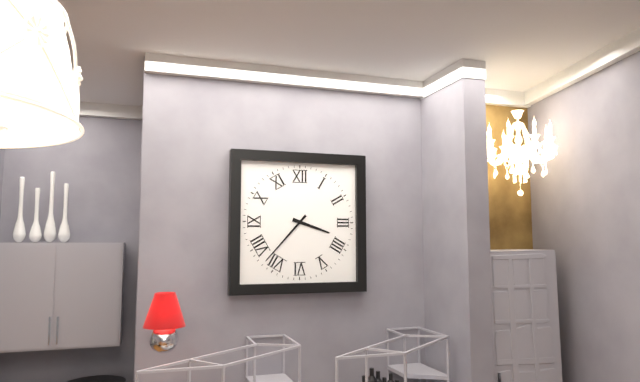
{"hour": 3, "minute": 37}
